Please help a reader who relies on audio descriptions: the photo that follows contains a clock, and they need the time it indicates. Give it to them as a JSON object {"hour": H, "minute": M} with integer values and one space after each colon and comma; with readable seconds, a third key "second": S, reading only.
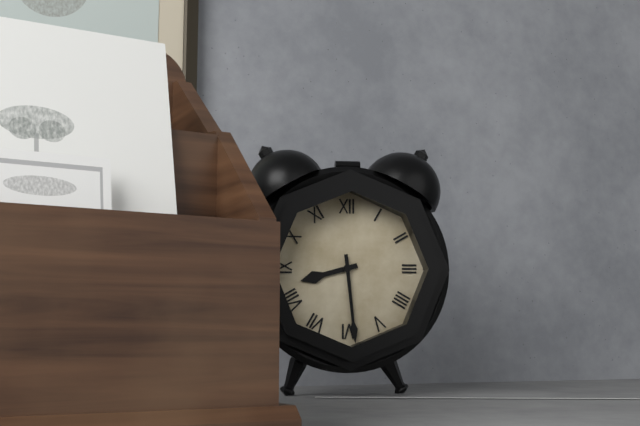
{"hour": 8, "minute": 29}
